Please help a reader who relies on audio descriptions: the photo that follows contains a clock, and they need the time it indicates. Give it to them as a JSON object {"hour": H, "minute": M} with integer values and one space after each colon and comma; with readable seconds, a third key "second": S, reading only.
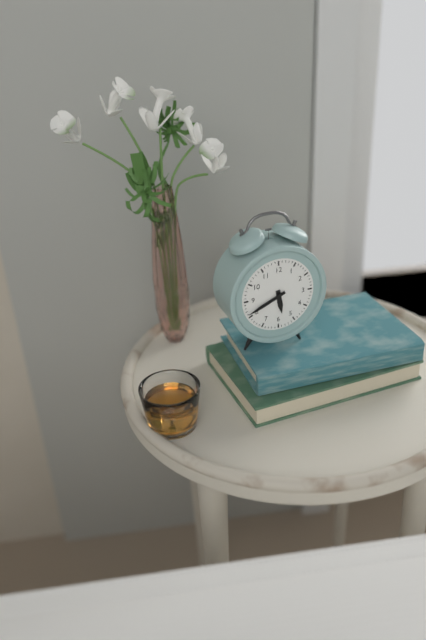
{"hour": 5, "minute": 41}
